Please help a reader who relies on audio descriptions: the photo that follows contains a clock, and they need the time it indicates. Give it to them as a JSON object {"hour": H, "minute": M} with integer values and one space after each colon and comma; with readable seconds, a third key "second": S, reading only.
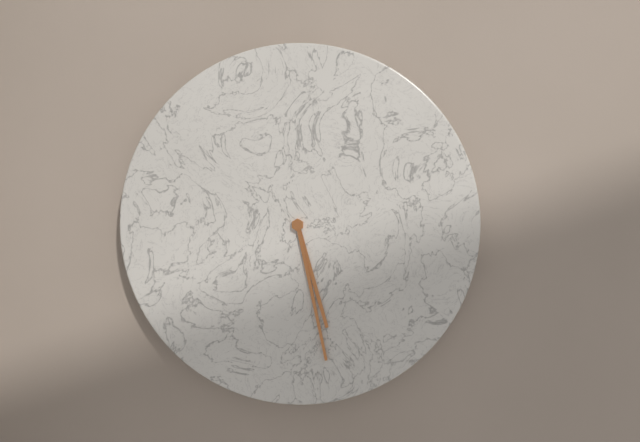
{"hour": 5, "minute": 28}
